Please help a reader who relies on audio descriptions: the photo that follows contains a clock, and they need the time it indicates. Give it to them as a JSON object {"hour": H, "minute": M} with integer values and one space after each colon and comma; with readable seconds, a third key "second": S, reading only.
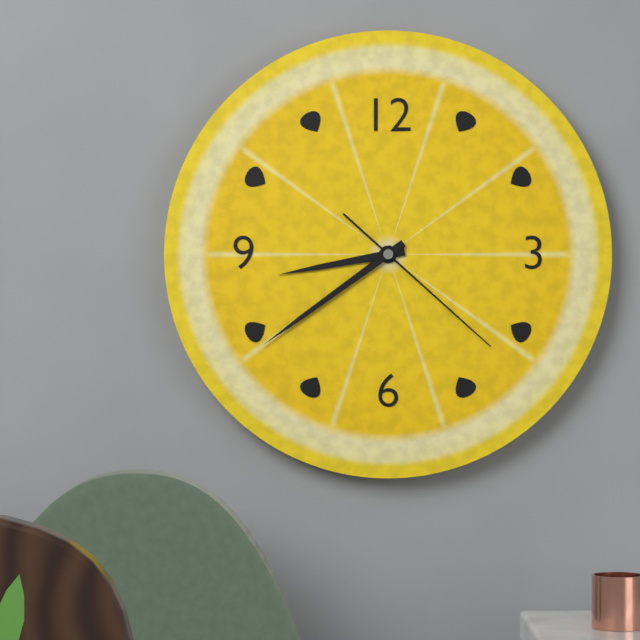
{"hour": 8, "minute": 39, "second": 22}
